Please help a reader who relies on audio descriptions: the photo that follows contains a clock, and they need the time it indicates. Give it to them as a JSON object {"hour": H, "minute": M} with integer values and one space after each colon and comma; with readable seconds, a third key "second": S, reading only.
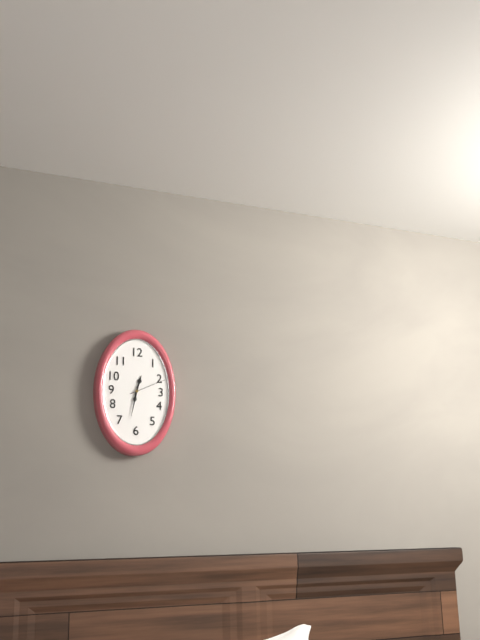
{"hour": 12, "minute": 32}
